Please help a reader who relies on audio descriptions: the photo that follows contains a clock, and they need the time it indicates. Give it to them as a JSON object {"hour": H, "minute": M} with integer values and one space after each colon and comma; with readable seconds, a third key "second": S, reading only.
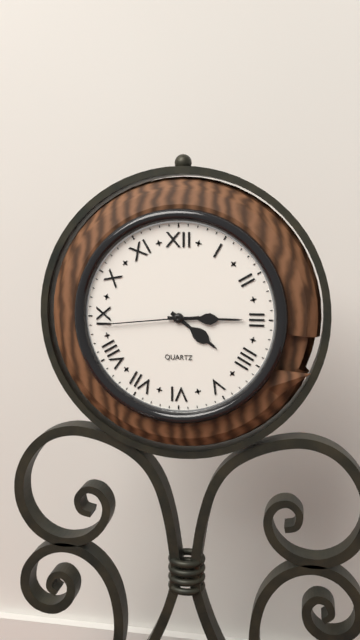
{"hour": 4, "minute": 15, "second": 44}
